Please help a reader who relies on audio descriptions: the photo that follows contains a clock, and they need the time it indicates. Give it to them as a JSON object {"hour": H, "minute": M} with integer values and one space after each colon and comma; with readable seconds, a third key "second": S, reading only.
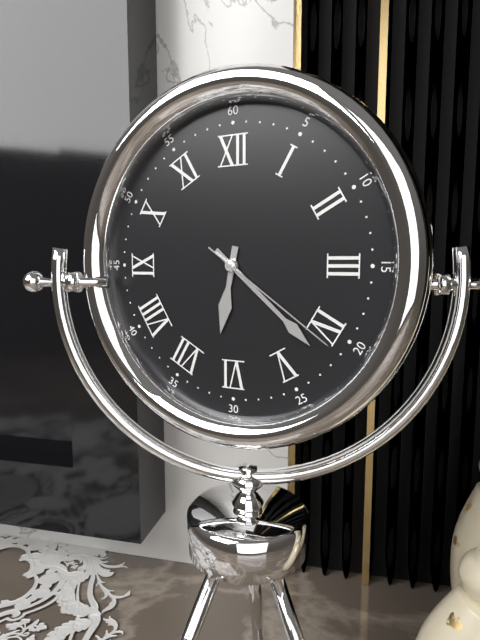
{"hour": 6, "minute": 22, "second": 21}
